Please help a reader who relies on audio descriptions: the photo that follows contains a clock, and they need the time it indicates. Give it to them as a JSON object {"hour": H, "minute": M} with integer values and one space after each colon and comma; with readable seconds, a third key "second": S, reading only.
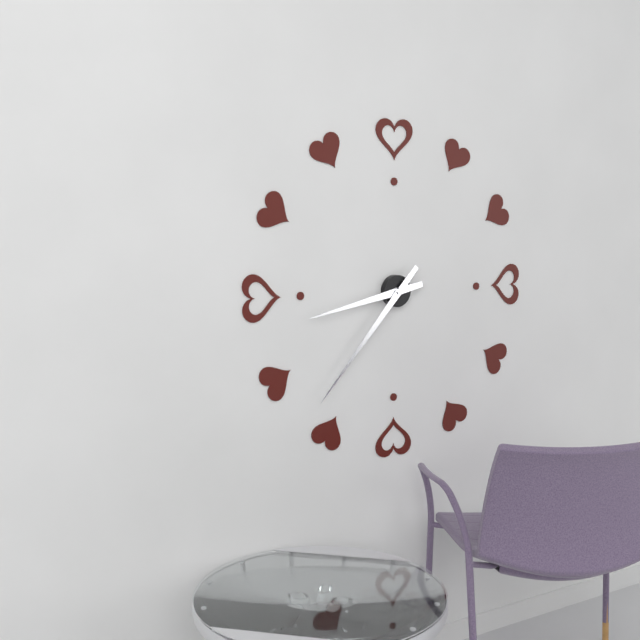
{"hour": 8, "minute": 37}
